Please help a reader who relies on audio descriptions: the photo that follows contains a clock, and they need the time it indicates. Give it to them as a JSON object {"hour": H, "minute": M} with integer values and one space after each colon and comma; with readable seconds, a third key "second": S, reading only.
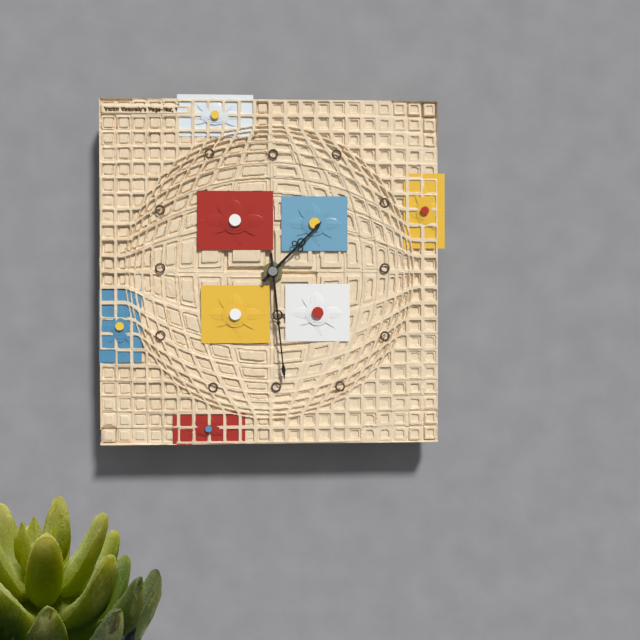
{"hour": 1, "minute": 29}
